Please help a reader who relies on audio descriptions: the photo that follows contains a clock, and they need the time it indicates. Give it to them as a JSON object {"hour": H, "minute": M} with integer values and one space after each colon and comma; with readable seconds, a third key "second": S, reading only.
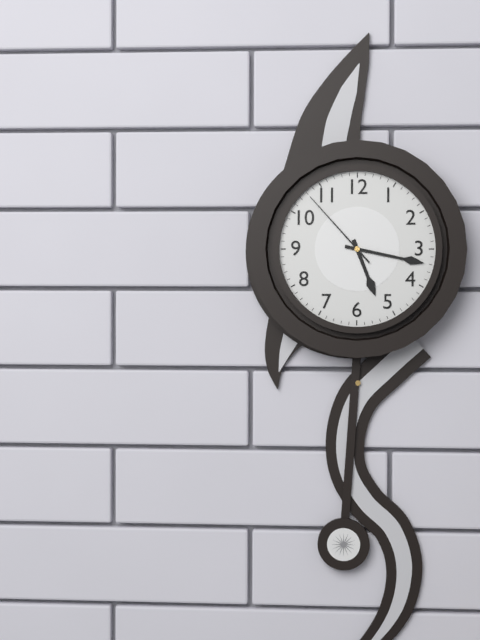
{"hour": 5, "minute": 17, "second": 53}
